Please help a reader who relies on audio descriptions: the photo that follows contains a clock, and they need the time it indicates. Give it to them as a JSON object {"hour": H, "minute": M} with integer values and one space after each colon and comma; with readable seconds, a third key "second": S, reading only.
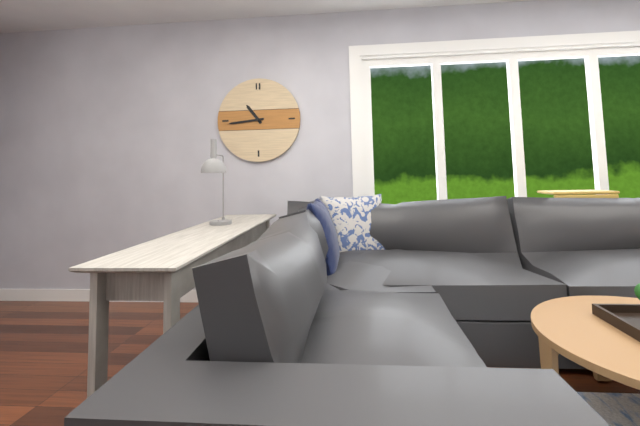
{"hour": 10, "minute": 44}
